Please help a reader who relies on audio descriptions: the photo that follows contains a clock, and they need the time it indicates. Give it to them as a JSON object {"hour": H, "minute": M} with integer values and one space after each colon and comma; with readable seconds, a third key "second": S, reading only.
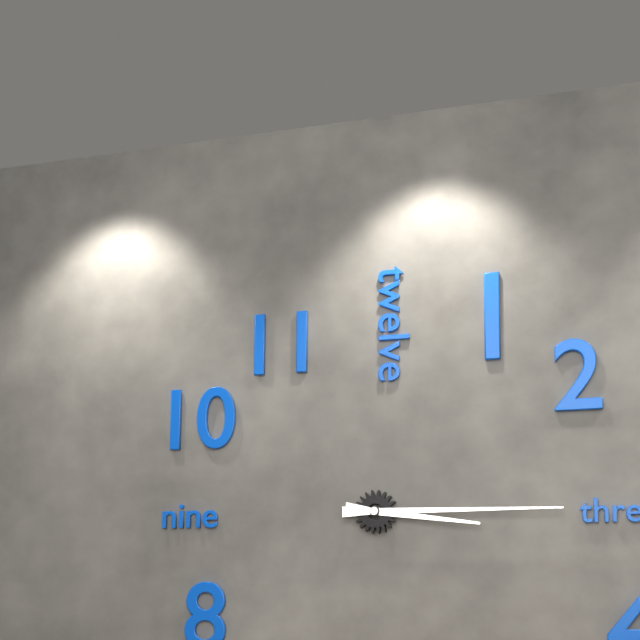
{"hour": 3, "minute": 15}
